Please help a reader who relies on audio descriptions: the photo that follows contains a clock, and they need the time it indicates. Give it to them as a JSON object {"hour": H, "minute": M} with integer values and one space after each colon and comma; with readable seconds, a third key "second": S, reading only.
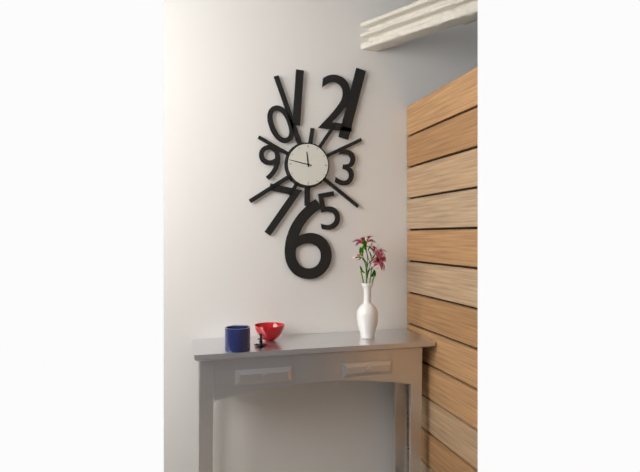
{"hour": 11, "minute": 47}
